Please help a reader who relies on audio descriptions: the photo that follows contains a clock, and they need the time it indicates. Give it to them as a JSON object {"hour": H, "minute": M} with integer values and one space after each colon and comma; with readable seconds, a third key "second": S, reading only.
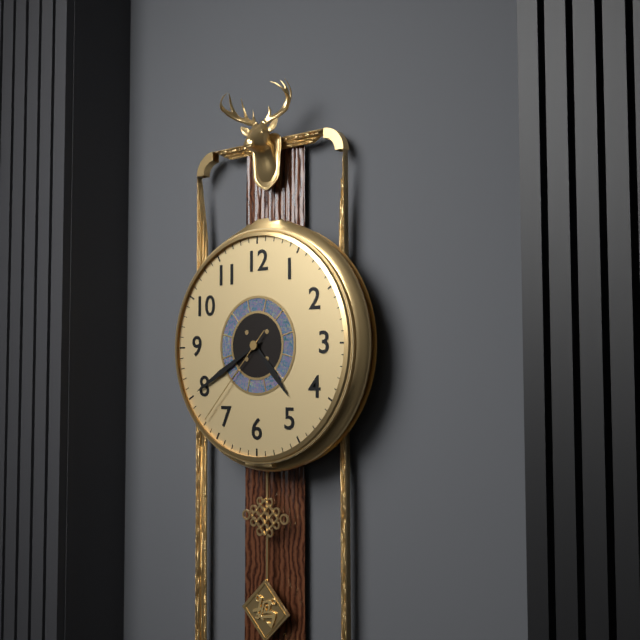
{"hour": 4, "minute": 40, "second": 37}
